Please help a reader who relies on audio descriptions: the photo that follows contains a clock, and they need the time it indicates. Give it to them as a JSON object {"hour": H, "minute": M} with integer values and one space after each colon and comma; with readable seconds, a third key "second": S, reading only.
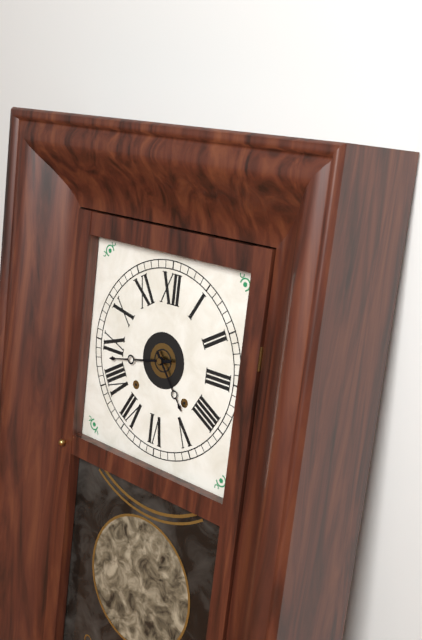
{"hour": 4, "minute": 43}
